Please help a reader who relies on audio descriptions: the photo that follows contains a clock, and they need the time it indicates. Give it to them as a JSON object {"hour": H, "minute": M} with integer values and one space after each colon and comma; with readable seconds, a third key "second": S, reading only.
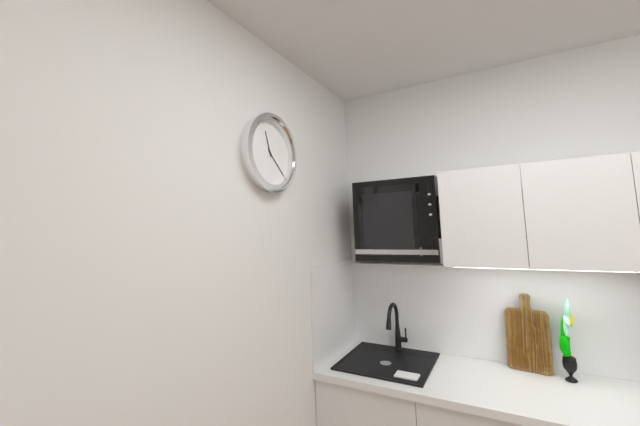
{"hour": 11, "minute": 22}
